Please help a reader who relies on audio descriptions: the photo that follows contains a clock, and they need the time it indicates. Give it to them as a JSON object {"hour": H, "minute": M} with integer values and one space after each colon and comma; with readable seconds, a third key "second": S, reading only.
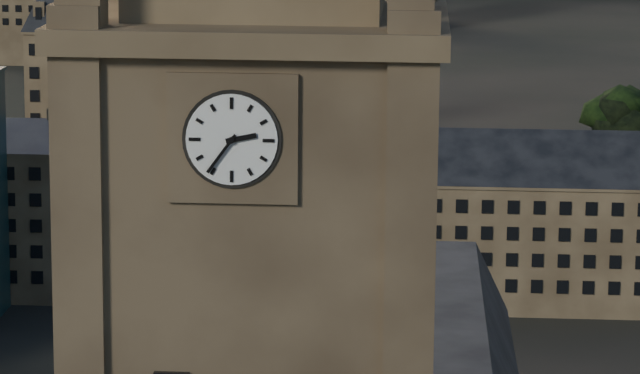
{"hour": 2, "minute": 36}
